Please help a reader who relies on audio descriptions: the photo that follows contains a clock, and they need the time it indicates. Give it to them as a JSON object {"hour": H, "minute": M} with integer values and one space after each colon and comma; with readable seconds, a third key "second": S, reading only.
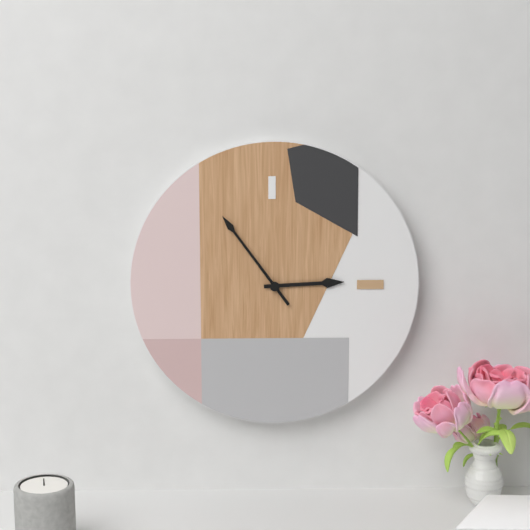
{"hour": 2, "minute": 54}
